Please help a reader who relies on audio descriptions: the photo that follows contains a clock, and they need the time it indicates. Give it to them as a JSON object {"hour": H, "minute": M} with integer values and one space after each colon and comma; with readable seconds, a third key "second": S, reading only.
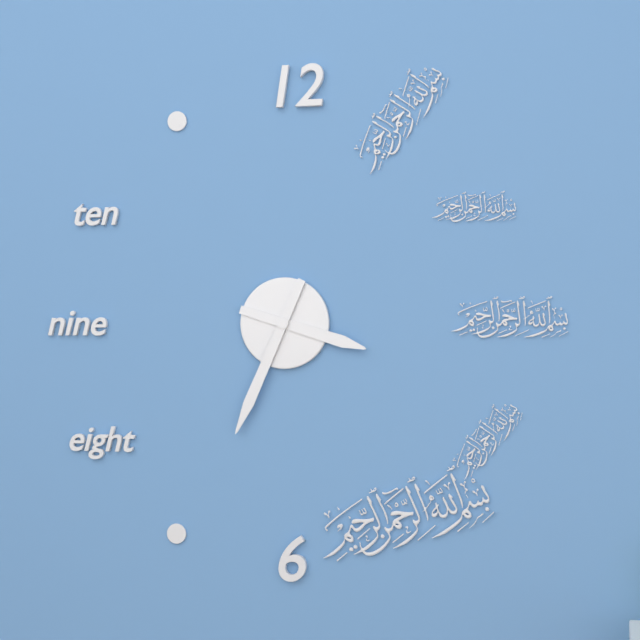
{"hour": 3, "minute": 34}
